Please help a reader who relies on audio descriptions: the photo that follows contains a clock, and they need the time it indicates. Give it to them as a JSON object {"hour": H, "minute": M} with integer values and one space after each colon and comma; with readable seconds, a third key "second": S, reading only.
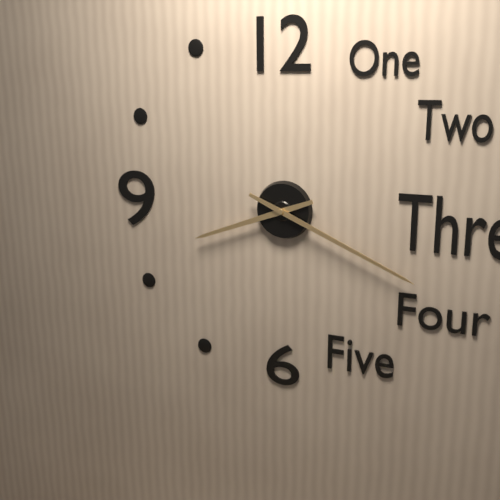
{"hour": 8, "minute": 19}
